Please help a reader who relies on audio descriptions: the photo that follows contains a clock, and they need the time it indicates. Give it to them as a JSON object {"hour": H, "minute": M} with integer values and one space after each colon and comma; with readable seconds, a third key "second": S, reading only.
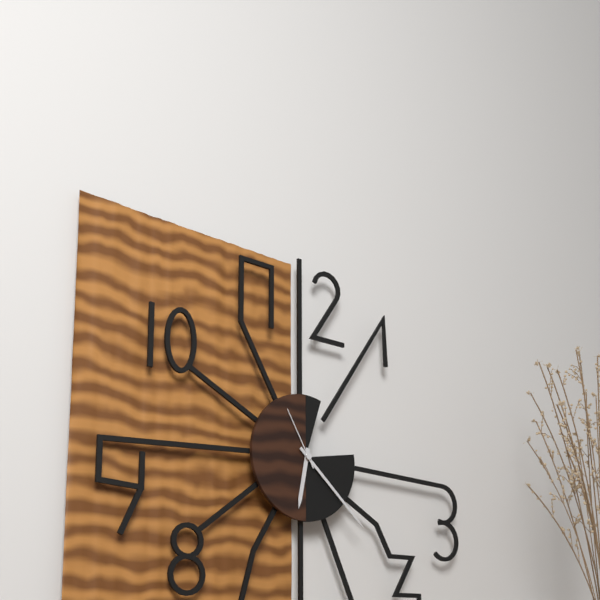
{"hour": 6, "minute": 22, "second": 55}
